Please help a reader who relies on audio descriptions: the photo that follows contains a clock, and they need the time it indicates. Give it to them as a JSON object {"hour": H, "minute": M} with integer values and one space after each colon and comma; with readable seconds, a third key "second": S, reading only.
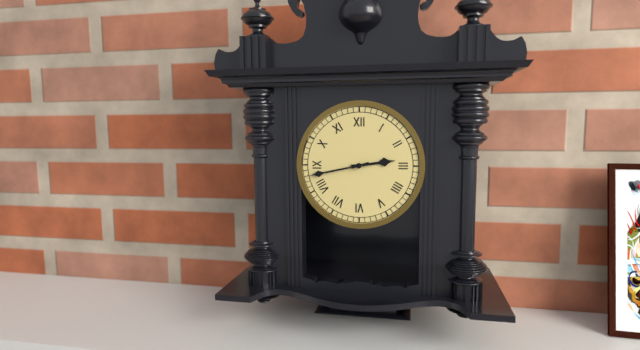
{"hour": 2, "minute": 43}
